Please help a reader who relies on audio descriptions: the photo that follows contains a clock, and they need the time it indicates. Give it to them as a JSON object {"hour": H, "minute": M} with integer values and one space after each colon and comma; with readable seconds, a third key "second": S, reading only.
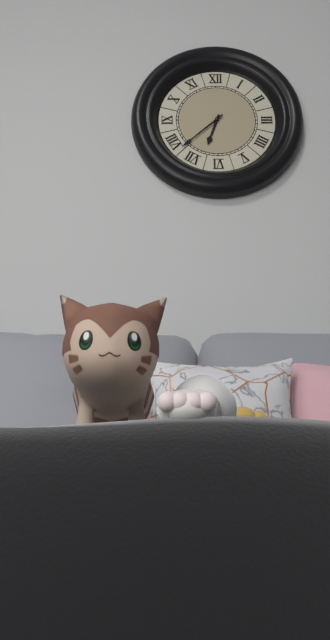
{"hour": 6, "minute": 38}
